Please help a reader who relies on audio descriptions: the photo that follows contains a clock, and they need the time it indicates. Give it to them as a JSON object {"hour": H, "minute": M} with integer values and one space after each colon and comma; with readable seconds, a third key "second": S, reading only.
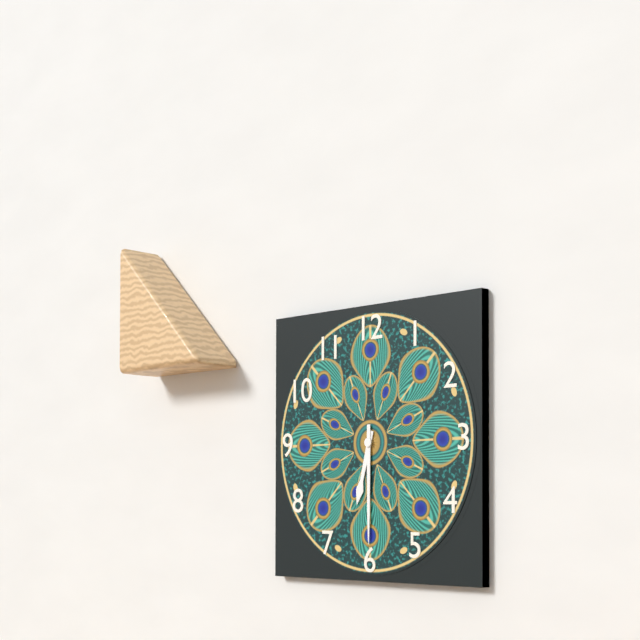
{"hour": 6, "minute": 30}
